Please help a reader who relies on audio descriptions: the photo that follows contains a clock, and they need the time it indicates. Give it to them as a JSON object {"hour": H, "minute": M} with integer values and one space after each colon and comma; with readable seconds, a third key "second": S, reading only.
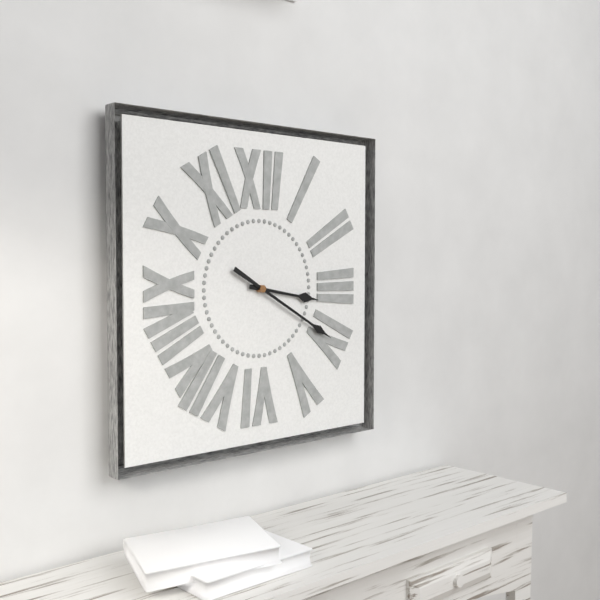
{"hour": 3, "minute": 20}
